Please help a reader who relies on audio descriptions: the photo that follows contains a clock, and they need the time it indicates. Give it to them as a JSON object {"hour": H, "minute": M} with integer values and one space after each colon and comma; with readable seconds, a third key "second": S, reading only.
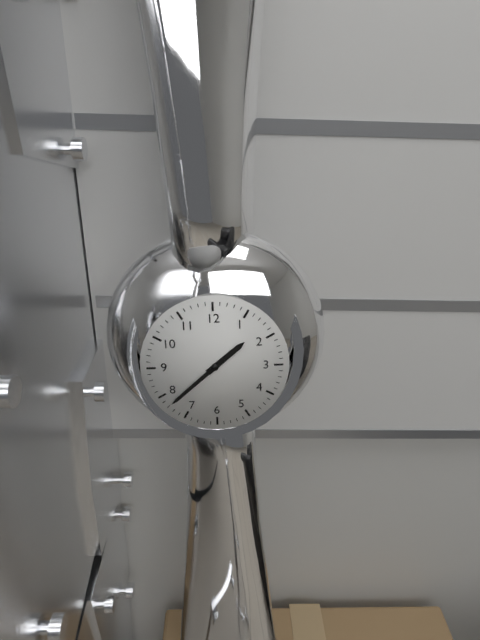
{"hour": 1, "minute": 38}
